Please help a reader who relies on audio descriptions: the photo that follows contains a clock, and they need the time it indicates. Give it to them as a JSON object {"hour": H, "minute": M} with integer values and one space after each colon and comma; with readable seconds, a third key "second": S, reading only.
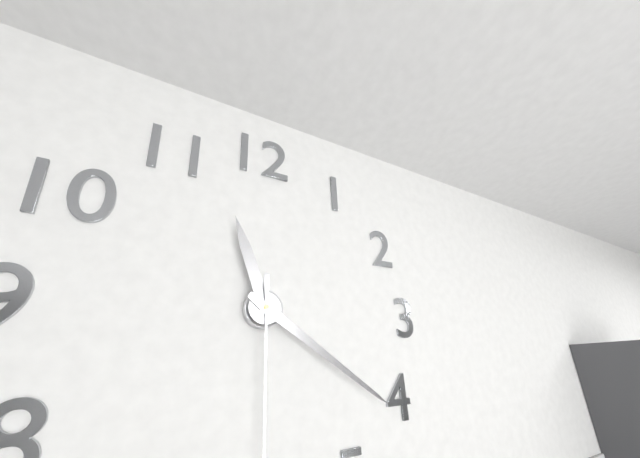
{"hour": 11, "minute": 21}
